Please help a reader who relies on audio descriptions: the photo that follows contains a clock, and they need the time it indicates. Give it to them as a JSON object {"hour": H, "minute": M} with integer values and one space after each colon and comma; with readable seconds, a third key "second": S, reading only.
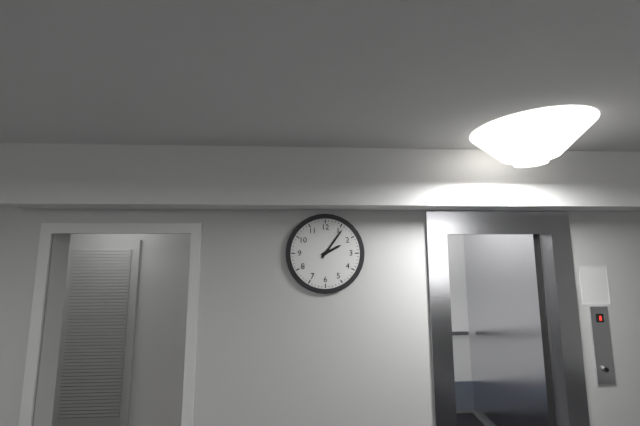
{"hour": 2, "minute": 6}
